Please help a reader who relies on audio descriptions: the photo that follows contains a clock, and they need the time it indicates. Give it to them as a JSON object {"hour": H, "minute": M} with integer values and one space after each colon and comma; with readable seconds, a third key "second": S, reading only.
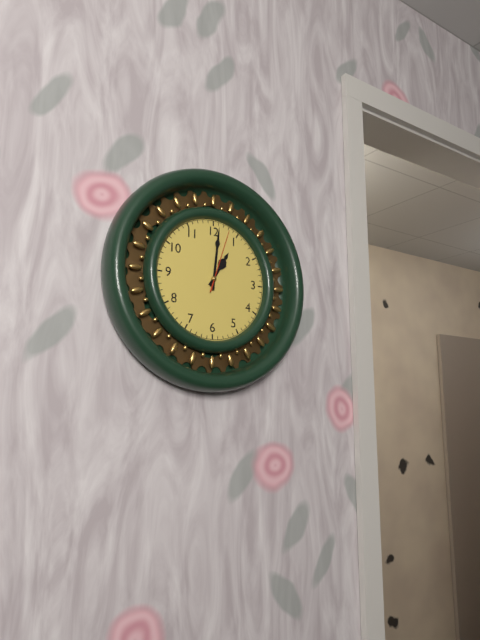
{"hour": 1, "minute": 1, "second": 3}
